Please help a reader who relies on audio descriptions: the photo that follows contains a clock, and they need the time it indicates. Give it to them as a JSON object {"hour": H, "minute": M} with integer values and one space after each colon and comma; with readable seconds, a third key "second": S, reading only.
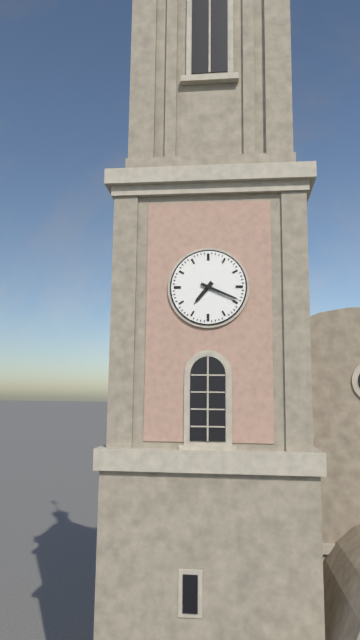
{"hour": 7, "minute": 19}
